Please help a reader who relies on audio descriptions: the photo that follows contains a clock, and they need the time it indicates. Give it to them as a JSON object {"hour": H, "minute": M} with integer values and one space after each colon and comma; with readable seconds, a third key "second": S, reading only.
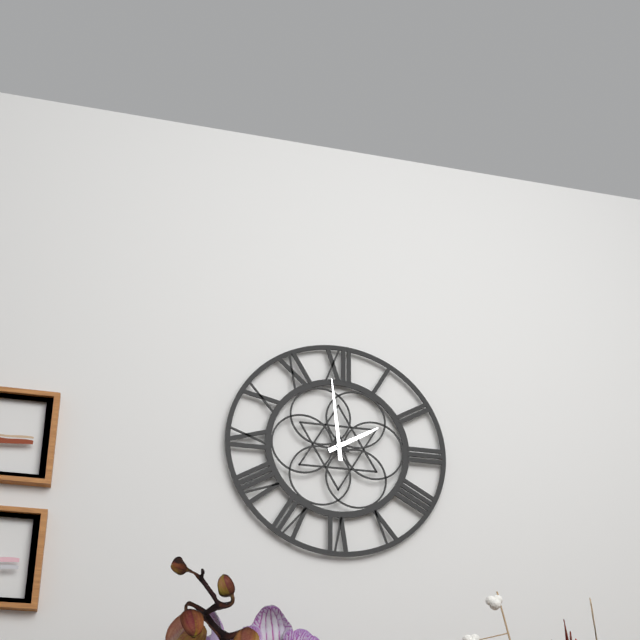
{"hour": 1, "minute": 59}
